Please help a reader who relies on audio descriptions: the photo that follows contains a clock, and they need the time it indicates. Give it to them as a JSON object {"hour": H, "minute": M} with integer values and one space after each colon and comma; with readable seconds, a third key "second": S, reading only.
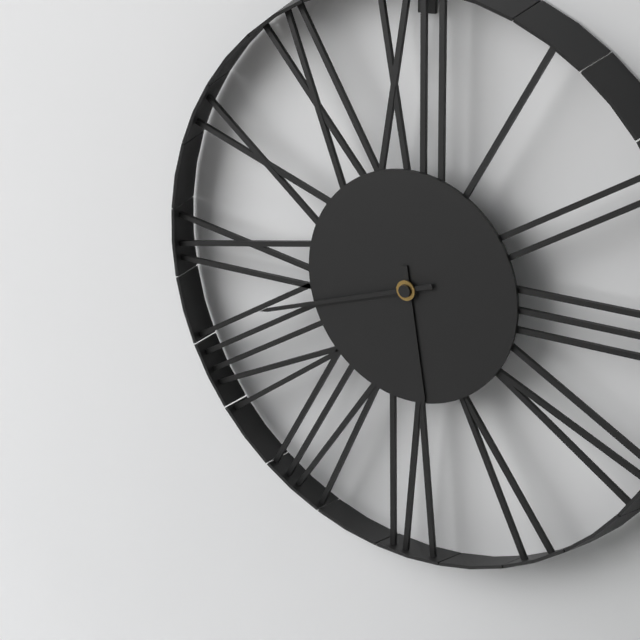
{"hour": 5, "minute": 42}
